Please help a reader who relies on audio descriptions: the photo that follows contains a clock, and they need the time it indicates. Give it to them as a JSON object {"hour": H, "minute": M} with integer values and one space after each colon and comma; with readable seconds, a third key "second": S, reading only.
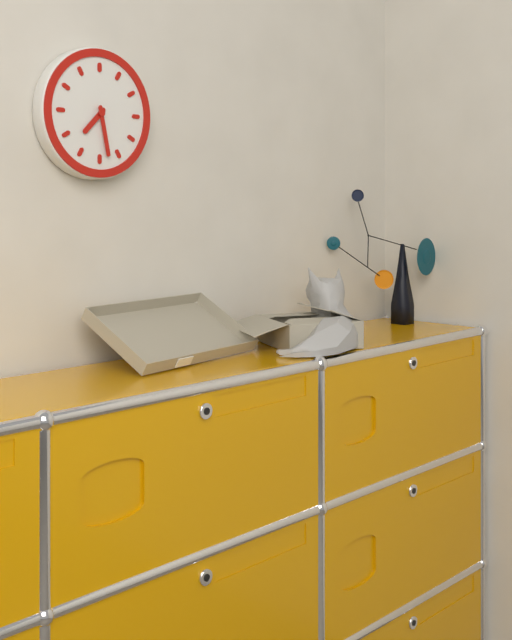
{"hour": 7, "minute": 28}
